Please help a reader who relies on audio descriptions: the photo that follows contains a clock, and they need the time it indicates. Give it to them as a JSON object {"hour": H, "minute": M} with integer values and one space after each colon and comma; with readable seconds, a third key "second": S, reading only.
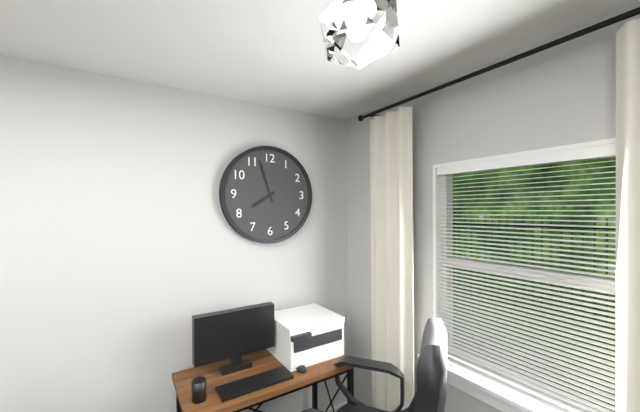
{"hour": 7, "minute": 57}
